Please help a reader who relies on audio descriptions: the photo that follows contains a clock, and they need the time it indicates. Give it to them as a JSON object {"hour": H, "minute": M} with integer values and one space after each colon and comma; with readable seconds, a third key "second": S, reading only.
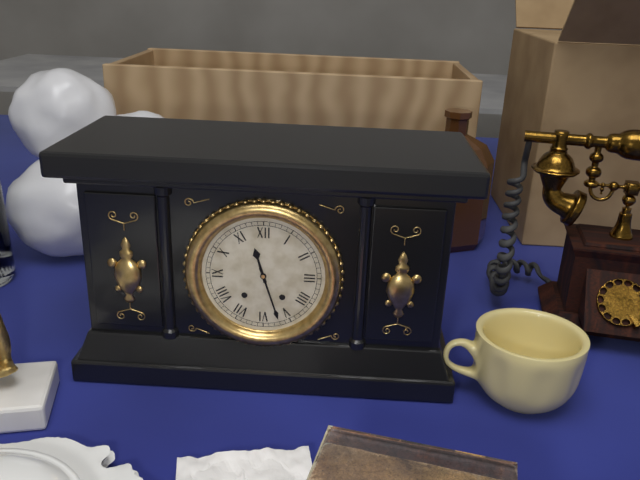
{"hour": 11, "minute": 27}
